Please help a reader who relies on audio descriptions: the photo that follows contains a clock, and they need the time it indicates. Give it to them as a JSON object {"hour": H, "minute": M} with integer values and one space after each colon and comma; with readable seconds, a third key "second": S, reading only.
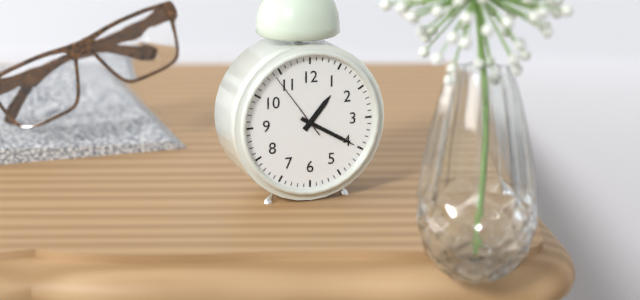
{"hour": 1, "minute": 20, "second": 54}
